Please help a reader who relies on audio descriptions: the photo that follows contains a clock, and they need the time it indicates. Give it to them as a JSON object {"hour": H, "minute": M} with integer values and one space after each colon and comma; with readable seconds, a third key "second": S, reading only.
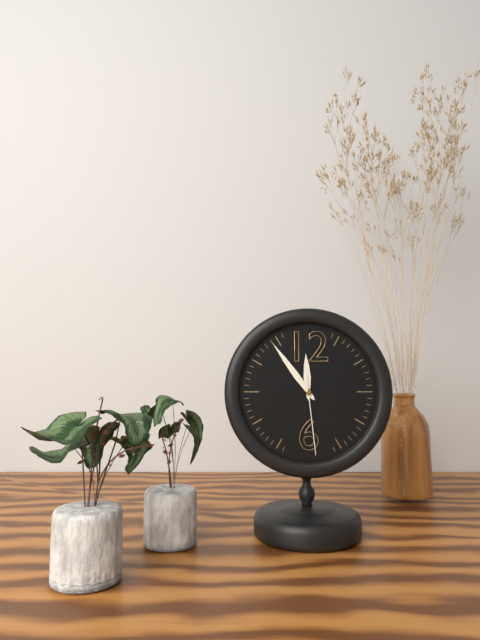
{"hour": 11, "minute": 54, "second": 29}
